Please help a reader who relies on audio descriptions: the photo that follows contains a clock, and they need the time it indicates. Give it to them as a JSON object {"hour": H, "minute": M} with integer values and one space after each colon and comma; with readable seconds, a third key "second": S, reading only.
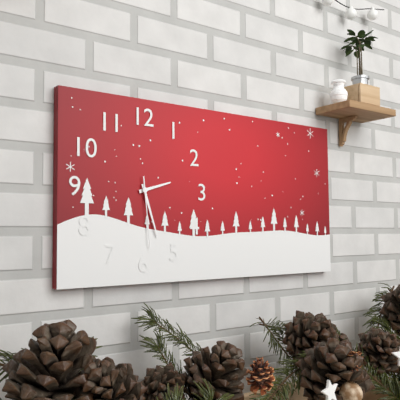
{"hour": 2, "minute": 27, "second": 29}
